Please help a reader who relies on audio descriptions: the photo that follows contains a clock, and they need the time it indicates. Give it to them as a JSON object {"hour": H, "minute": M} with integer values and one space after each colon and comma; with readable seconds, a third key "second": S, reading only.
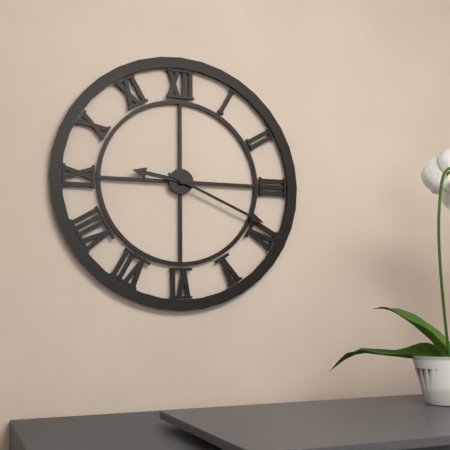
{"hour": 9, "minute": 19}
